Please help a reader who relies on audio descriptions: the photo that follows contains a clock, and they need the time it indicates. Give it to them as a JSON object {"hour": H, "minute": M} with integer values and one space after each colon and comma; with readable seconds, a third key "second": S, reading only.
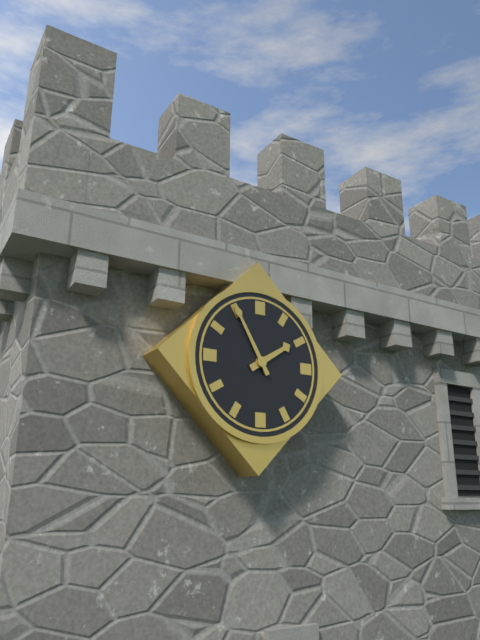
{"hour": 1, "minute": 55}
